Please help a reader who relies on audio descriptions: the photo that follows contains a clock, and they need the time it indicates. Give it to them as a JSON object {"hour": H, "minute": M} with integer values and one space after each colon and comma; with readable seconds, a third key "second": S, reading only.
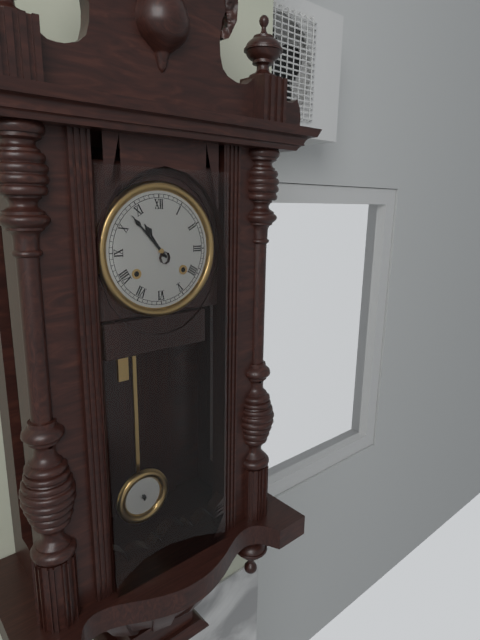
{"hour": 10, "minute": 53}
